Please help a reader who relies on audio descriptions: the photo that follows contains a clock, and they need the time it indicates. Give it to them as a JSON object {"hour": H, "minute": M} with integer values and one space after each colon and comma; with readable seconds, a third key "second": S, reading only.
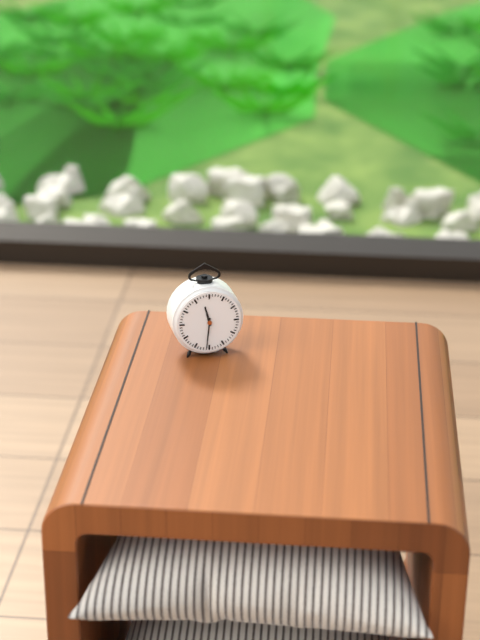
{"hour": 11, "minute": 31}
